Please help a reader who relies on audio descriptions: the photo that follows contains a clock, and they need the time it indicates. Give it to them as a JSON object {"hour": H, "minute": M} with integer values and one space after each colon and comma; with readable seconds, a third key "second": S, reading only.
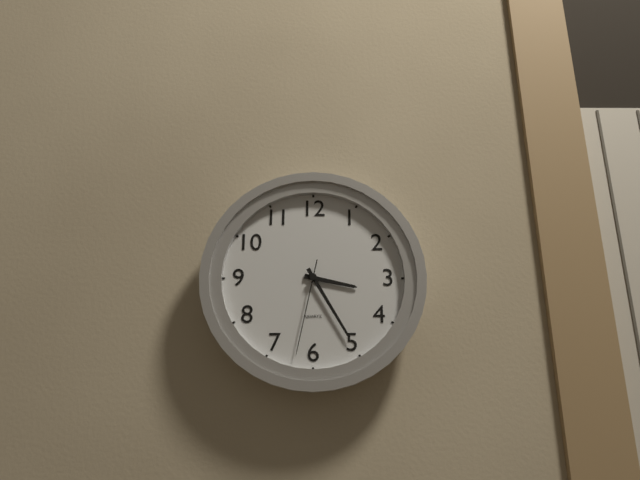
{"hour": 3, "minute": 25, "second": 32}
